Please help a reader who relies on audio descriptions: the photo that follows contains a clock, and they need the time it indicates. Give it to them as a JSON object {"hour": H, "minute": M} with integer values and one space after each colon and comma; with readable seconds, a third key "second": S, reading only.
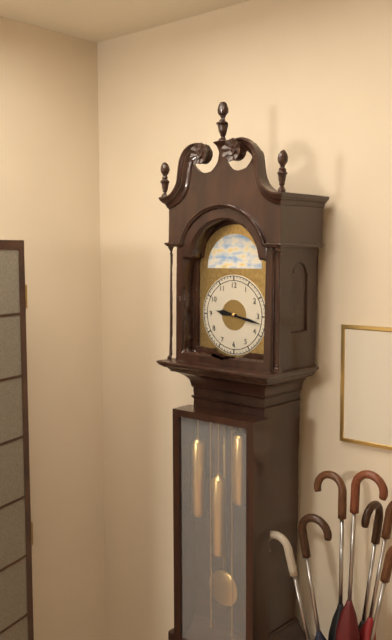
{"hour": 9, "minute": 17}
